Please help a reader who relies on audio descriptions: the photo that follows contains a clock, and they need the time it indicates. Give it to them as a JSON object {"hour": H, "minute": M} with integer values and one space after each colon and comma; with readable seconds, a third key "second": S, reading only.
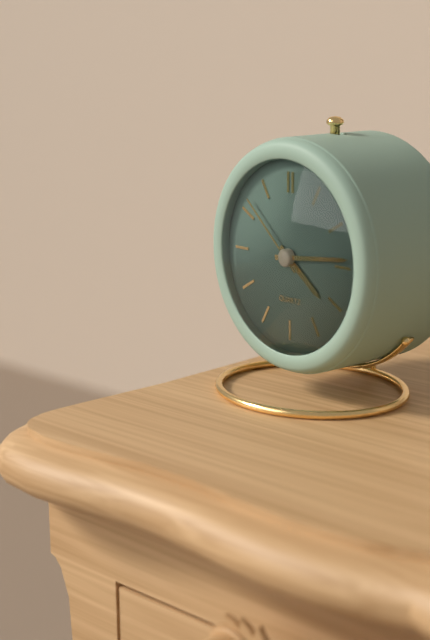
{"hour": 4, "minute": 14, "second": 52}
